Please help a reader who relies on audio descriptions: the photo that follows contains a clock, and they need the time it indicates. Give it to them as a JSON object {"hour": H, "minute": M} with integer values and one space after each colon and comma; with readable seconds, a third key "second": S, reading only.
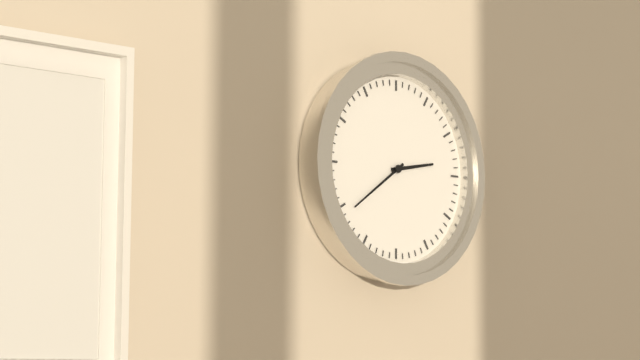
{"hour": 2, "minute": 39}
